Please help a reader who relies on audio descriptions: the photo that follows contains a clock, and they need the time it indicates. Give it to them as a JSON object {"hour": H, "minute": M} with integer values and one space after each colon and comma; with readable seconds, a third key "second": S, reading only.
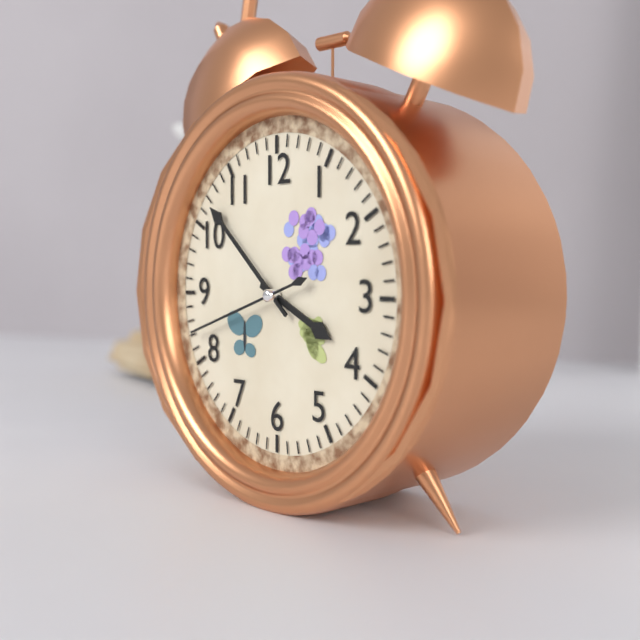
{"hour": 3, "minute": 52, "second": 42}
